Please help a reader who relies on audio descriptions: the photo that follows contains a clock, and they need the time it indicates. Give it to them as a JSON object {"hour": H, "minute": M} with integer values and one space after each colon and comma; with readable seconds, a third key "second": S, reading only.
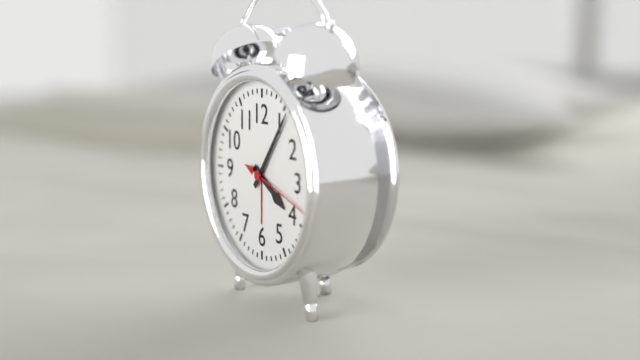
{"hour": 4, "minute": 6, "second": 18}
